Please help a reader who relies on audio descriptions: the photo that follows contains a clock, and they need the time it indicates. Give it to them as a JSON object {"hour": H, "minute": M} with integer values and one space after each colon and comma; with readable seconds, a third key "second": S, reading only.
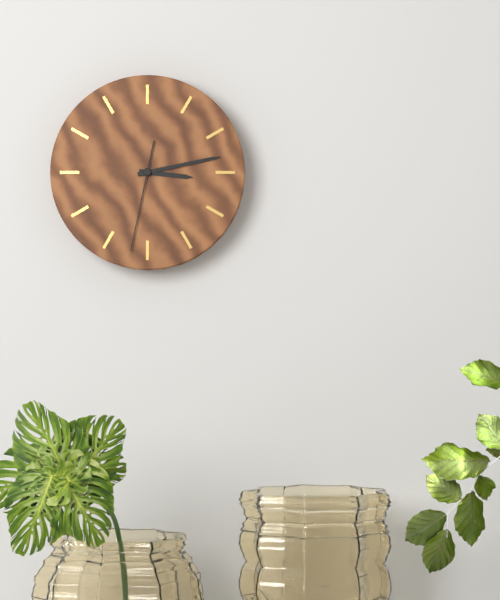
{"hour": 3, "minute": 13, "second": 32}
